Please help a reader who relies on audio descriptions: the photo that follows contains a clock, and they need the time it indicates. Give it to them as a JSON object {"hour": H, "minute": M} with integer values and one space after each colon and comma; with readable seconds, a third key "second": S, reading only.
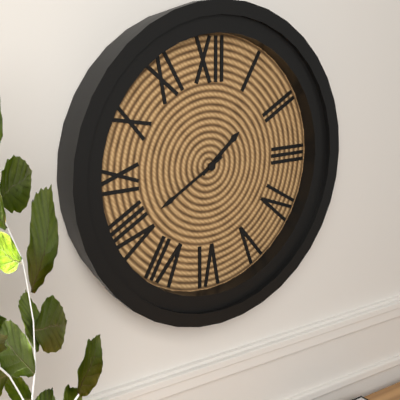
{"hour": 1, "minute": 40}
